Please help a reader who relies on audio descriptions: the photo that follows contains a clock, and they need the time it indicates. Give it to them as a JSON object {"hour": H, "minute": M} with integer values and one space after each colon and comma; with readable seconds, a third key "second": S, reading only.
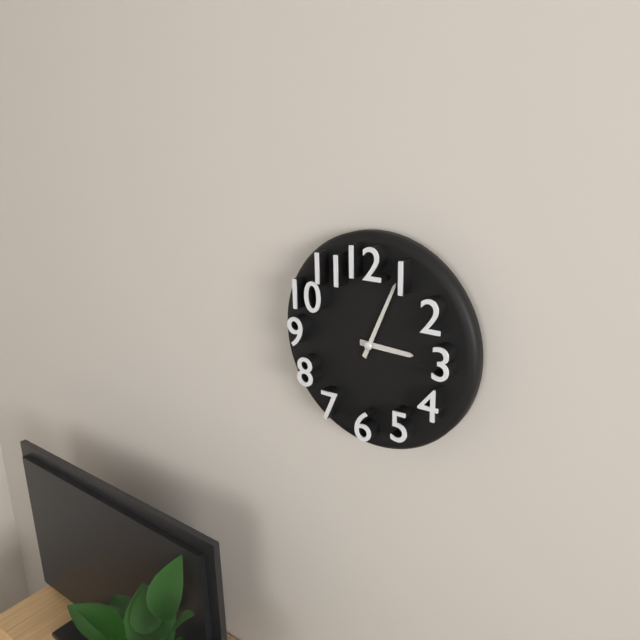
{"hour": 3, "minute": 4}
